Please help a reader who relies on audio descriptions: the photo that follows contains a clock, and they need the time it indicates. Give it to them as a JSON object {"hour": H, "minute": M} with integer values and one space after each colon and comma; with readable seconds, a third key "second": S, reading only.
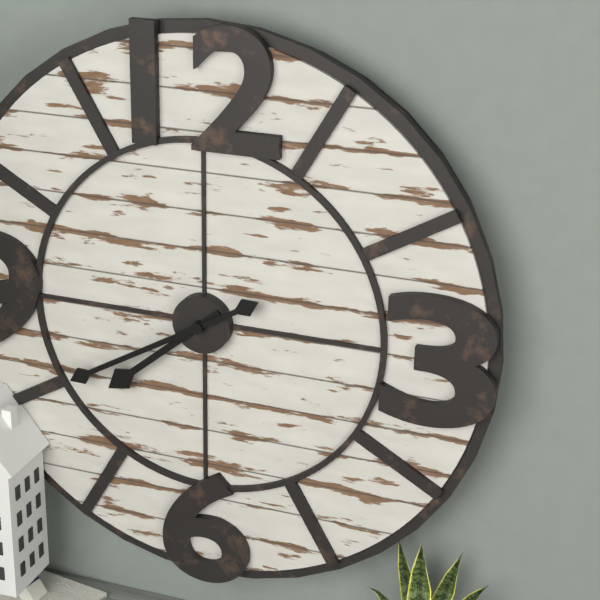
{"hour": 7, "minute": 40}
